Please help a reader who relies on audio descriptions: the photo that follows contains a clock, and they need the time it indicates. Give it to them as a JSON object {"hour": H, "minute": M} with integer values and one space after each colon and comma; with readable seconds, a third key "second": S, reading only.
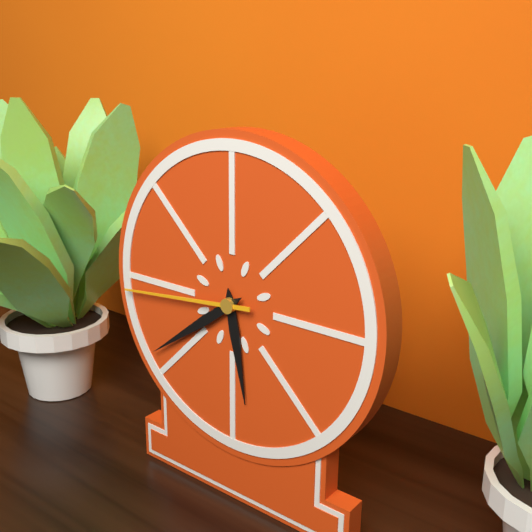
{"hour": 5, "minute": 39, "second": 44}
